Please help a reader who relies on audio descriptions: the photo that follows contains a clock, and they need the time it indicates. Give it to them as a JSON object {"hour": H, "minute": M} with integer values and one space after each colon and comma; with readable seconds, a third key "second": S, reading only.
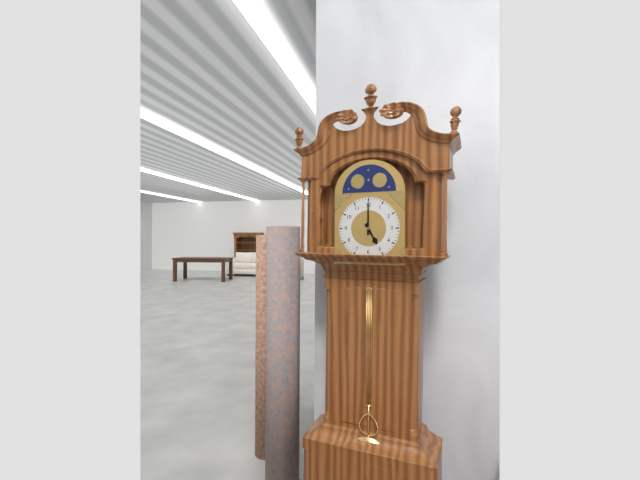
{"hour": 5, "minute": 0}
